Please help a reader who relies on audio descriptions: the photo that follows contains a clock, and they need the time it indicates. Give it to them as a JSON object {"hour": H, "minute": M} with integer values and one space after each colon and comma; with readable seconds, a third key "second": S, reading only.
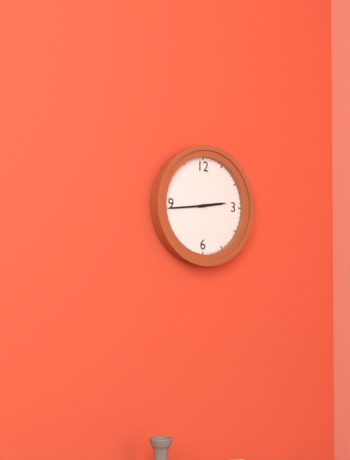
{"hour": 2, "minute": 44}
